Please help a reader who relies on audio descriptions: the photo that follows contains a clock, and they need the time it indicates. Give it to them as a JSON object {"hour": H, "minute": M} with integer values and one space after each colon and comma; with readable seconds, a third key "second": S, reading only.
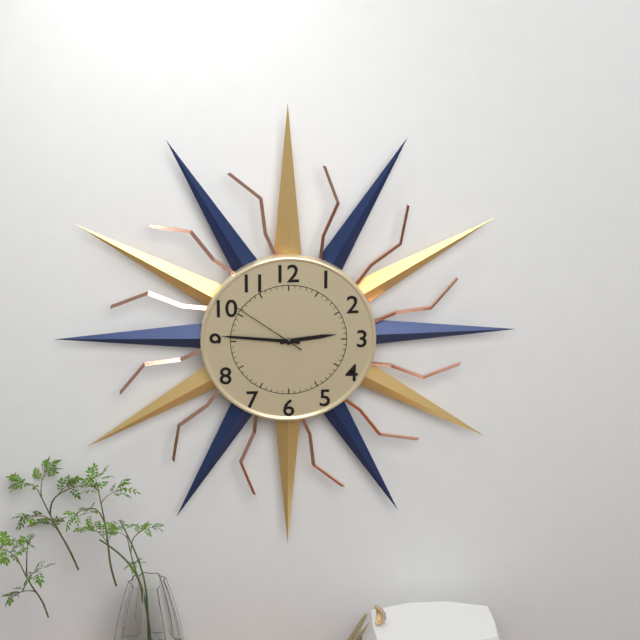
{"hour": 2, "minute": 46, "second": 51}
